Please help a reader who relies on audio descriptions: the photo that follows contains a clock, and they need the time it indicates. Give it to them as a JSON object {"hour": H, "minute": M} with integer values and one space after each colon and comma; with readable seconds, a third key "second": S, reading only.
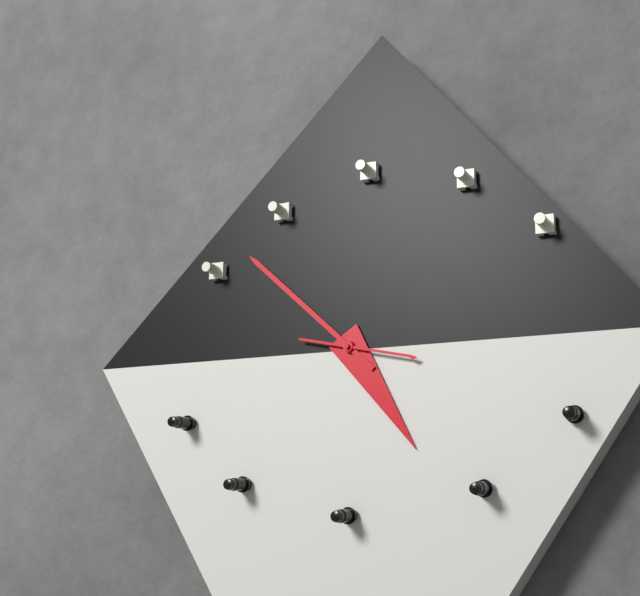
{"hour": 4, "minute": 52, "second": 17}
